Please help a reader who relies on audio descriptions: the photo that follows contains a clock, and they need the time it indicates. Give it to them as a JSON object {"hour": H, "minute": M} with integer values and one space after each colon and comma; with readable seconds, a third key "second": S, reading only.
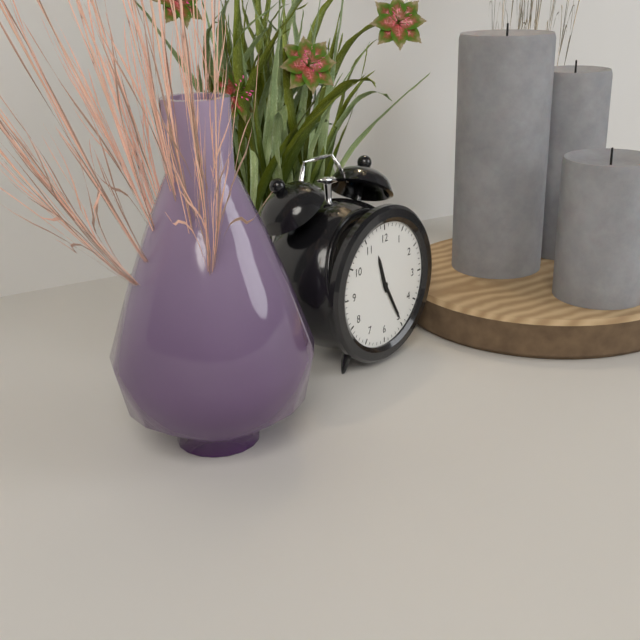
{"hour": 11, "minute": 25}
